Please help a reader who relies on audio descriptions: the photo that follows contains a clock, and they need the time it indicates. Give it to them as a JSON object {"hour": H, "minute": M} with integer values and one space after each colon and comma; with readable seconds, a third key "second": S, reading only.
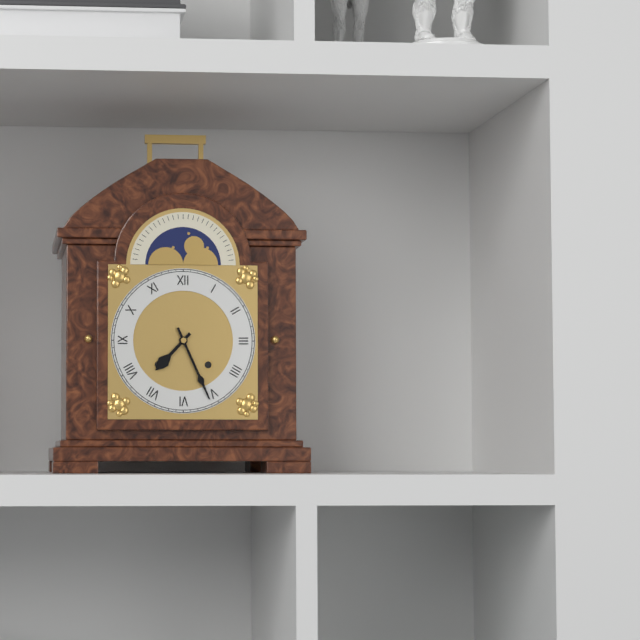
{"hour": 7, "minute": 26}
